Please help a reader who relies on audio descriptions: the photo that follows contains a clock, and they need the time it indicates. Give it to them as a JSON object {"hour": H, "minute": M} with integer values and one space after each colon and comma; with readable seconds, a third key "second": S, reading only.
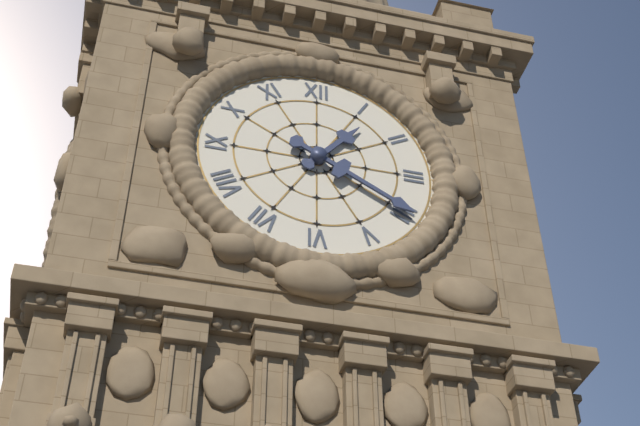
{"hour": 1, "minute": 20}
